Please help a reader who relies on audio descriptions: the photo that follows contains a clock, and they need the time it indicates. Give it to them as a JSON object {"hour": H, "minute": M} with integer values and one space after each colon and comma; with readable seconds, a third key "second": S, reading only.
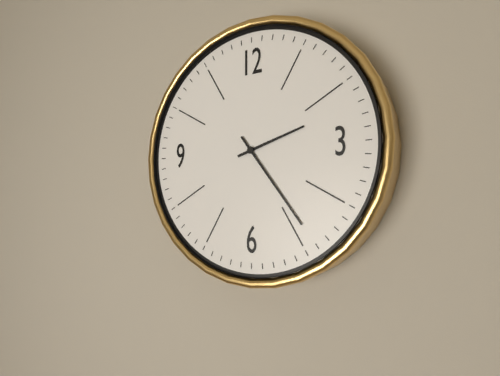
{"hour": 2, "minute": 24}
